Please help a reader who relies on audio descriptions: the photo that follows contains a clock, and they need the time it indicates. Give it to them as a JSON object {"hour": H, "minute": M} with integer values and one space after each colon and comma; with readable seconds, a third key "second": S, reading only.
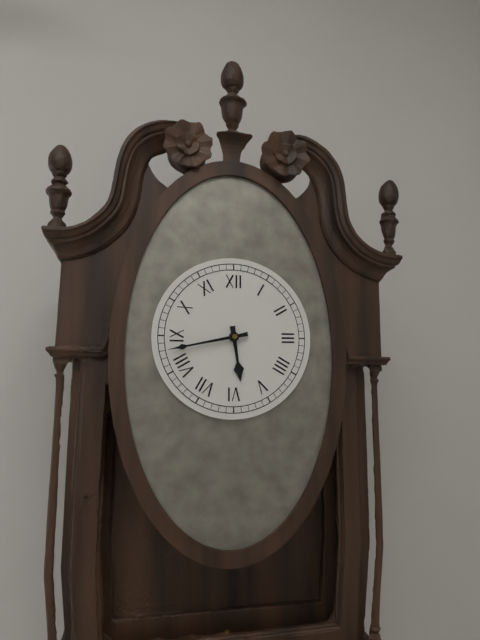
{"hour": 5, "minute": 43}
